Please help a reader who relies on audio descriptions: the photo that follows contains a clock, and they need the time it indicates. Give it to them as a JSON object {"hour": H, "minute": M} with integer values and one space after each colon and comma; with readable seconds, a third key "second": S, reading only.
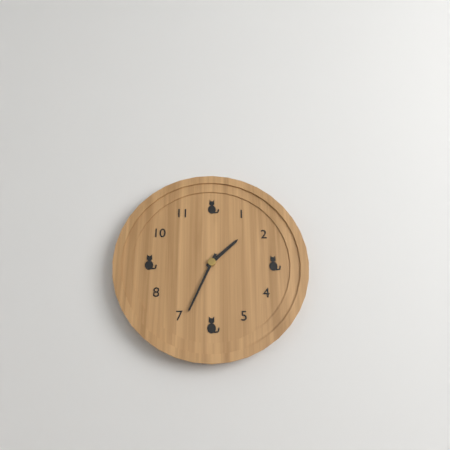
{"hour": 1, "minute": 34}
